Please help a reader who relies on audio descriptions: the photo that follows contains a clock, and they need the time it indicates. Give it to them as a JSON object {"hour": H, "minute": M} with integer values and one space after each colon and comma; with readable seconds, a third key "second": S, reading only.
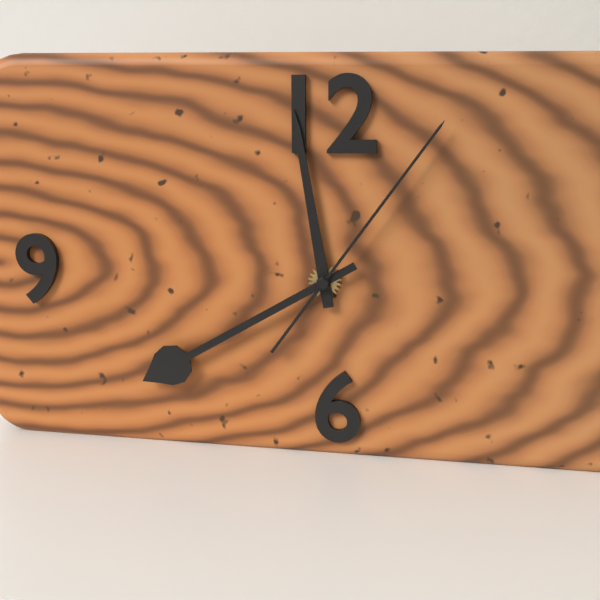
{"hour": 11, "minute": 40, "second": 6}
